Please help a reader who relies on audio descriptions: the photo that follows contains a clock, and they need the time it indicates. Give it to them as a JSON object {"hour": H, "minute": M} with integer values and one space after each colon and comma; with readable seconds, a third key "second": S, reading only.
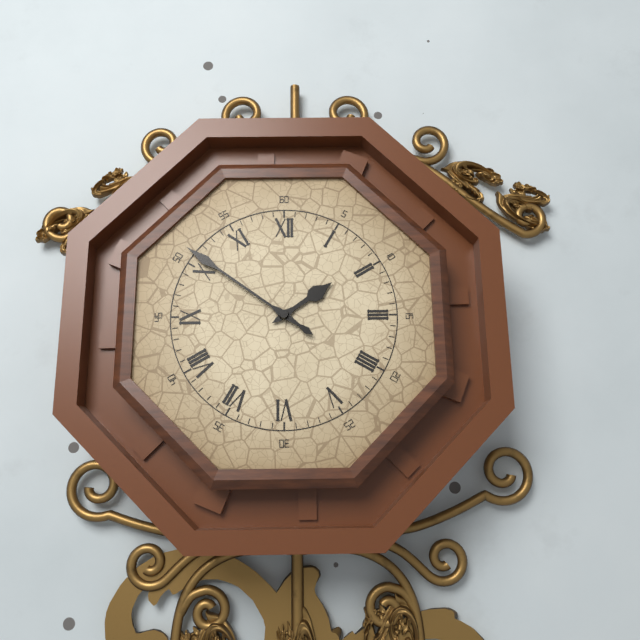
{"hour": 1, "minute": 51}
